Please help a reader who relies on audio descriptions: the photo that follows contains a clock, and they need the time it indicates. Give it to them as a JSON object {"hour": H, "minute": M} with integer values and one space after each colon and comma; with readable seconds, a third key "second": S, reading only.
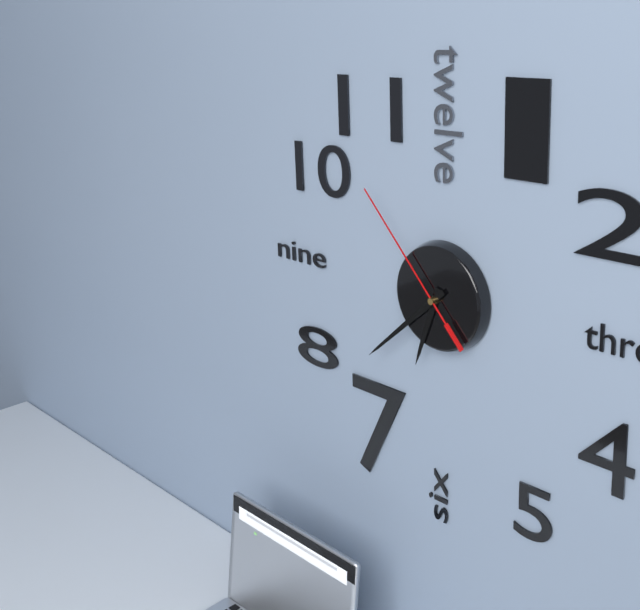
{"hour": 6, "minute": 38, "second": 53}
